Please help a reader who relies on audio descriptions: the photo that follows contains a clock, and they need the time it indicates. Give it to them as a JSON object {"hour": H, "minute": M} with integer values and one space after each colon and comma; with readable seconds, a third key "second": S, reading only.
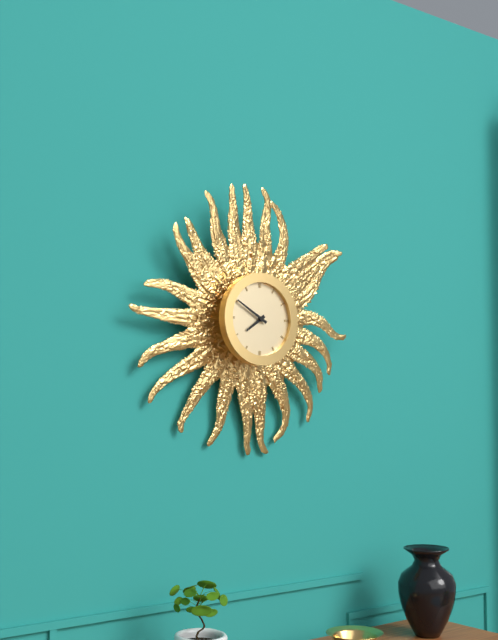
{"hour": 7, "minute": 50}
